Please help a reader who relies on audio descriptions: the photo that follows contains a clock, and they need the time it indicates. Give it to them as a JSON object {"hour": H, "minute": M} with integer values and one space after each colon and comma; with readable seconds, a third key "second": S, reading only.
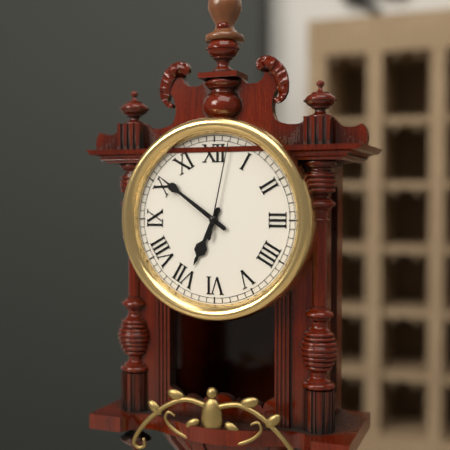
{"hour": 6, "minute": 51, "second": 2}
